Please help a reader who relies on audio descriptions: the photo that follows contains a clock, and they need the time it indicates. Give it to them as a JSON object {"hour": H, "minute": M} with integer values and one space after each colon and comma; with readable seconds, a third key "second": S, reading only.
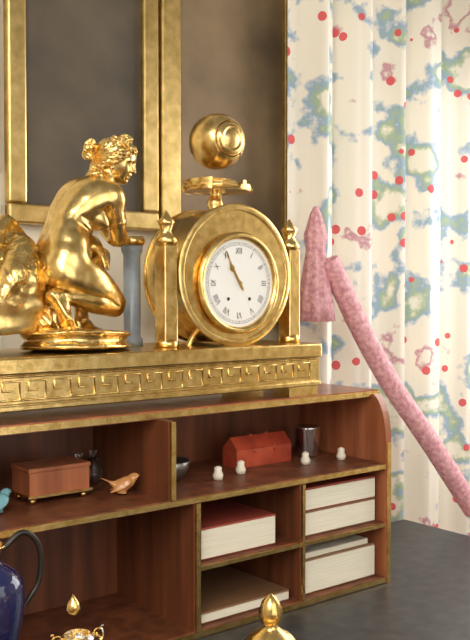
{"hour": 10, "minute": 55}
